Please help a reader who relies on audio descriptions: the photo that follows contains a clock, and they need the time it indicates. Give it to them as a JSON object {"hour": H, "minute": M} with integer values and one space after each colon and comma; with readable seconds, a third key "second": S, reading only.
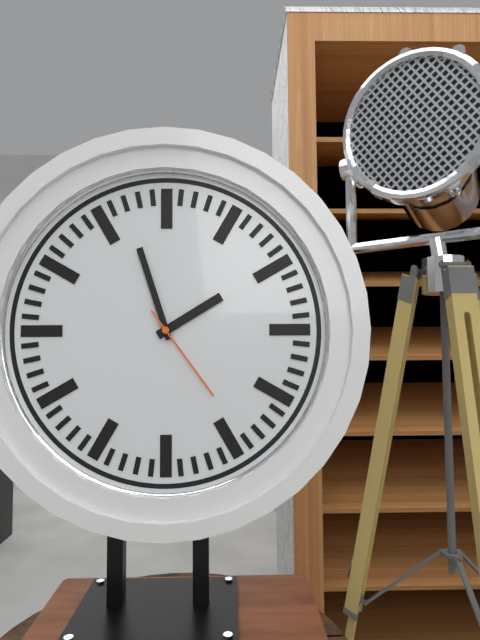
{"hour": 1, "minute": 57, "second": 24}
